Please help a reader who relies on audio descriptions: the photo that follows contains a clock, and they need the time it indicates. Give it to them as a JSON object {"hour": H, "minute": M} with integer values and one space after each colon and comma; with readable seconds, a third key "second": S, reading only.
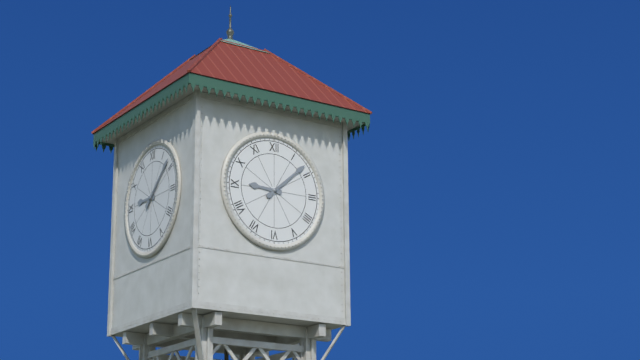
{"hour": 9, "minute": 8}
